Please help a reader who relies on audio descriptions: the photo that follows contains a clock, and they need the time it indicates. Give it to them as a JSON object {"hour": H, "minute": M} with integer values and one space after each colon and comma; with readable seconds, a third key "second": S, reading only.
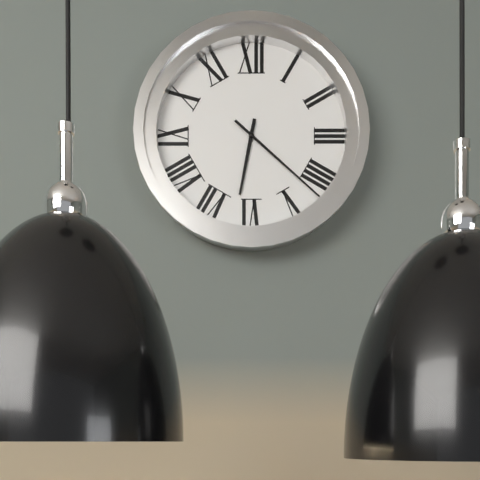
{"hour": 6, "minute": 22}
